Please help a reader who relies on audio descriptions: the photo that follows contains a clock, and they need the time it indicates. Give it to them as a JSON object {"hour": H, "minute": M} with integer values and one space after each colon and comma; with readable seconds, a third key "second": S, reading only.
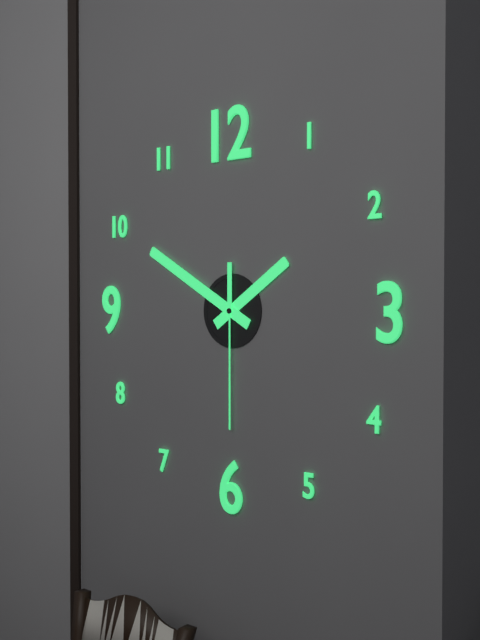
{"hour": 1, "minute": 50, "second": 30}
